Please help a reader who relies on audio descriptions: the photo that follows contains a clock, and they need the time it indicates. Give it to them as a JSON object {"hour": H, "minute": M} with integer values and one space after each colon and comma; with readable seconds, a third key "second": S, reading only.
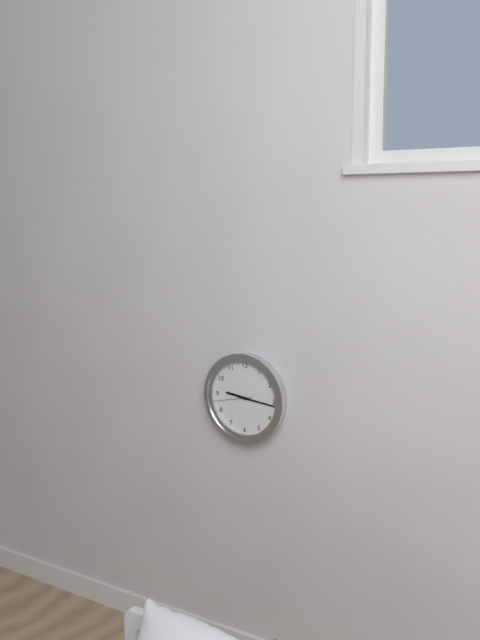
{"hour": 9, "minute": 16}
